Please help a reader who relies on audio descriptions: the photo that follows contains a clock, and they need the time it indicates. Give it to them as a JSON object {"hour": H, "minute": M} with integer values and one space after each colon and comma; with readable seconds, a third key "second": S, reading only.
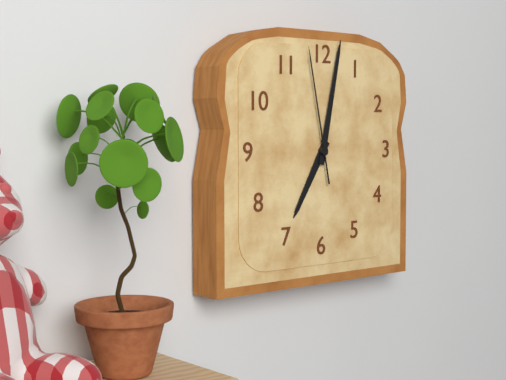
{"hour": 7, "minute": 2, "second": 58}
